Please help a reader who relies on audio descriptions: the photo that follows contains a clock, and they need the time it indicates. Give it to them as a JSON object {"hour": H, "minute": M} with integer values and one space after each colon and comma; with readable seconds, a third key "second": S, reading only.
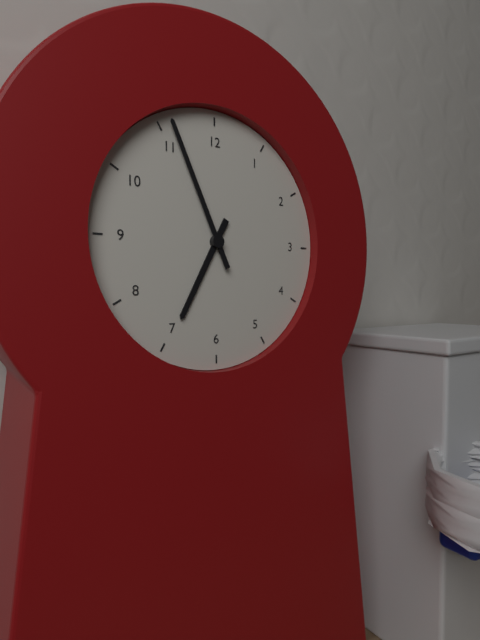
{"hour": 6, "minute": 56}
